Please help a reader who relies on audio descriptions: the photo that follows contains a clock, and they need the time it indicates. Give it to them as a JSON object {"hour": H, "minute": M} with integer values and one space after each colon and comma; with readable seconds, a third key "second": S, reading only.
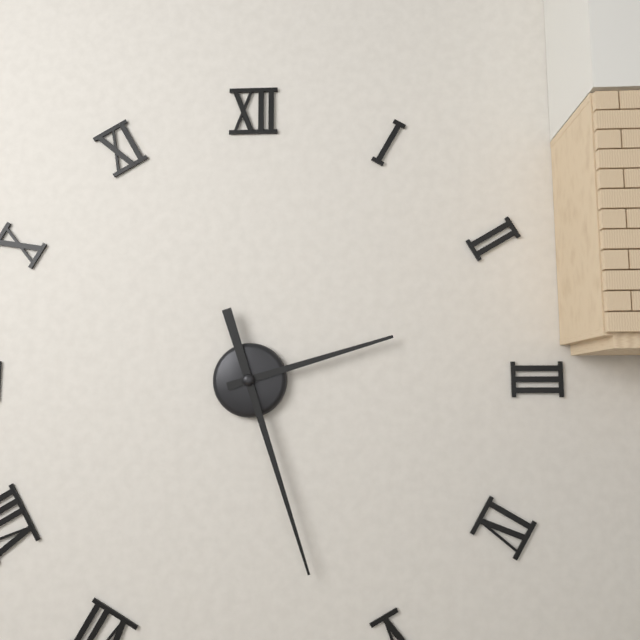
{"hour": 2, "minute": 27}
